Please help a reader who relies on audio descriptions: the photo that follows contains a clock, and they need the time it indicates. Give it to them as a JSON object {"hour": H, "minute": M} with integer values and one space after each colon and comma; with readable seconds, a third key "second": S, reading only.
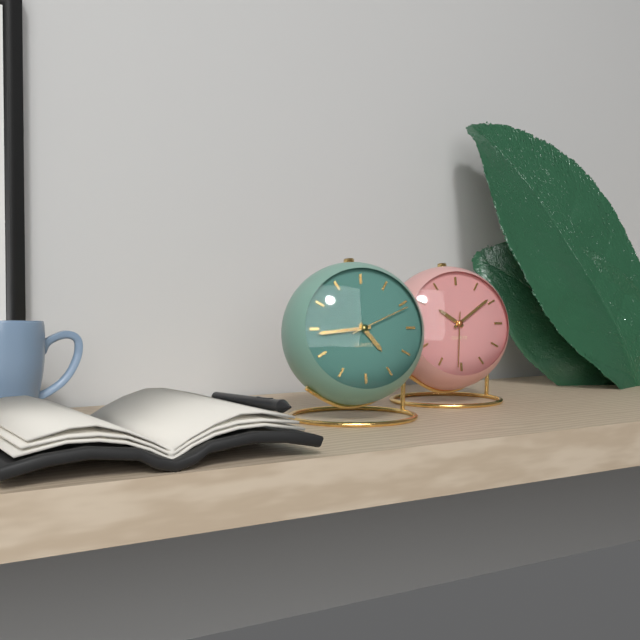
{"hour": 4, "minute": 44, "second": 11}
